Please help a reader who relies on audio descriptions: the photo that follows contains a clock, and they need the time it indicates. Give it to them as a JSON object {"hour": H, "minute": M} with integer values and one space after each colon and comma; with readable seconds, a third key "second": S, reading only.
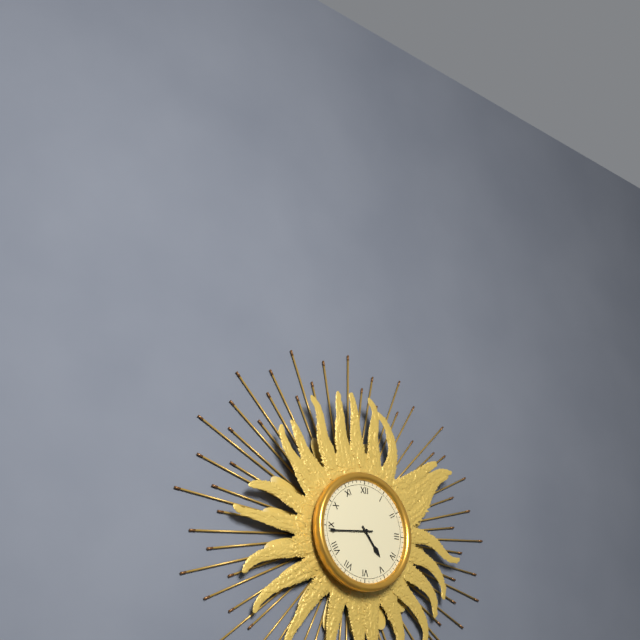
{"hour": 4, "minute": 44}
